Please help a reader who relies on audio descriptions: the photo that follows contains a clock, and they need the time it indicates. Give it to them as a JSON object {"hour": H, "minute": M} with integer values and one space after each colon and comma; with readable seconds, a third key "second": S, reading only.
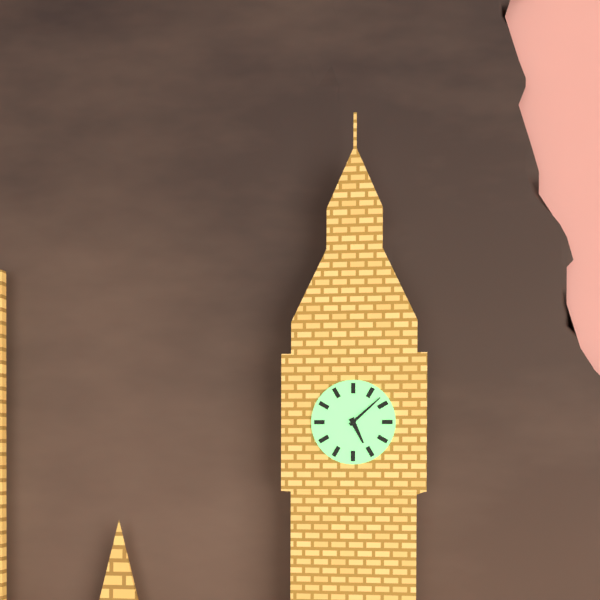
{"hour": 5, "minute": 8}
